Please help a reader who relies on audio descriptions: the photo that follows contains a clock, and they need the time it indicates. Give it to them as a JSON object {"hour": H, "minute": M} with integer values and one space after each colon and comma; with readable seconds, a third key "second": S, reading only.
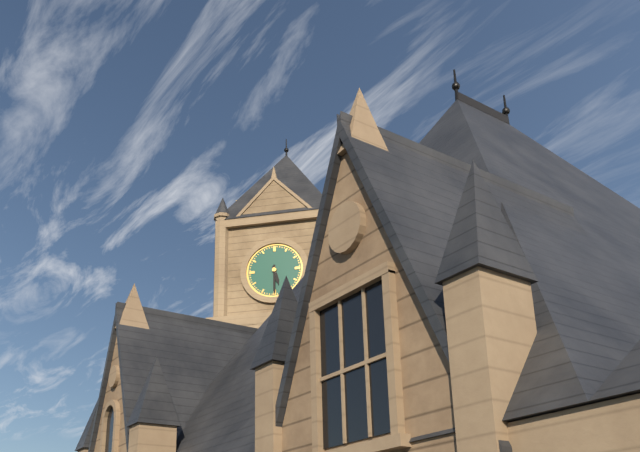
{"hour": 5, "minute": 30}
